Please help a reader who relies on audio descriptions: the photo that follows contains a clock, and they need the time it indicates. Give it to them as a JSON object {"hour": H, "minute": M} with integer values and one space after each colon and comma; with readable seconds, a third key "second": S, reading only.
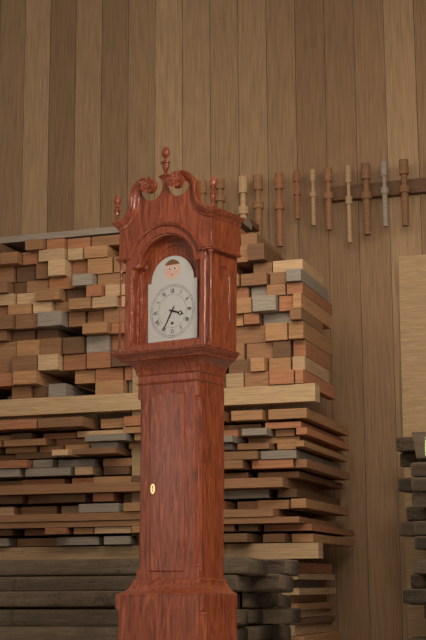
{"hour": 3, "minute": 35}
